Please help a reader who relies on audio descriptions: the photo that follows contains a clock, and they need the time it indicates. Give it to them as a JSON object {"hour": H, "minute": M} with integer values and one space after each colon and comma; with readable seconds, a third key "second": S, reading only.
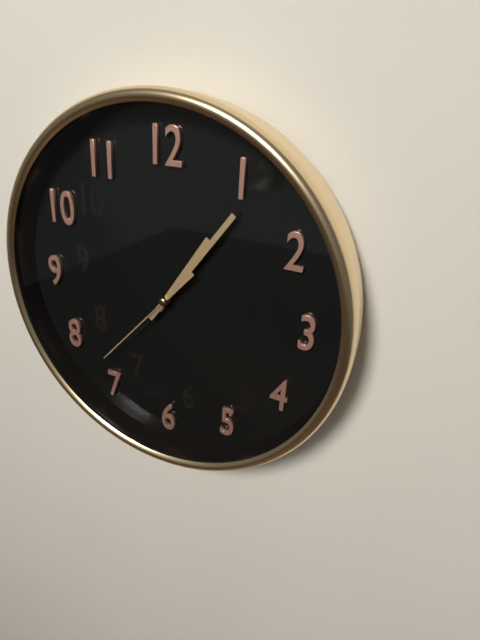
{"hour": 1, "minute": 6, "second": 37}
